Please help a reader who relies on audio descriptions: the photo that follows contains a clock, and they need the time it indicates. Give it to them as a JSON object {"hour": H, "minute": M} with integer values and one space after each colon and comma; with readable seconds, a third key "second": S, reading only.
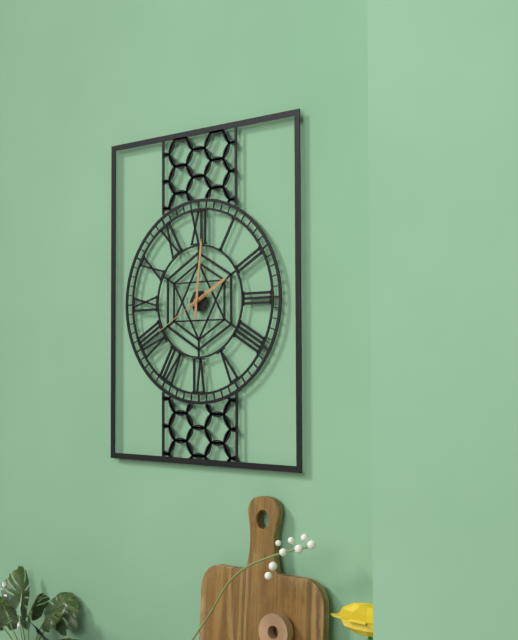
{"hour": 2, "minute": 1, "second": 40}
